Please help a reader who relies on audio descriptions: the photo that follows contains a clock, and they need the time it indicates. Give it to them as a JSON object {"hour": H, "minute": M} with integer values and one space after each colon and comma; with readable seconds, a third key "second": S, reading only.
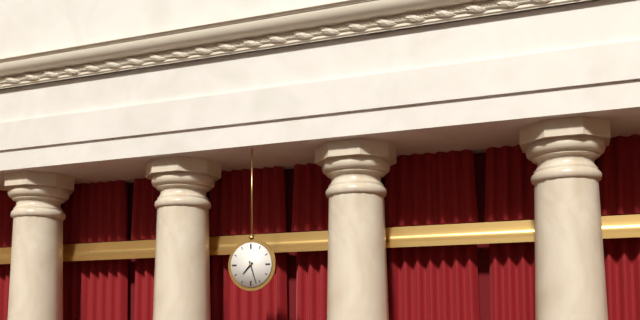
{"hour": 7, "minute": 27}
